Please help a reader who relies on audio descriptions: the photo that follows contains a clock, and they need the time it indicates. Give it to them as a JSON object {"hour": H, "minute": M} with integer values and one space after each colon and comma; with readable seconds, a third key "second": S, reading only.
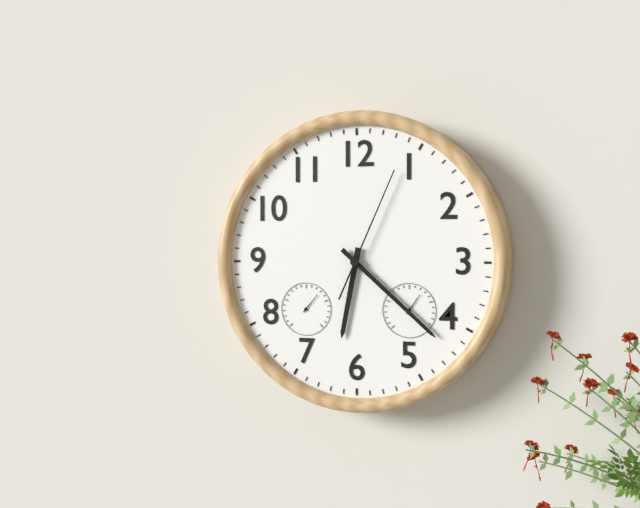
{"hour": 6, "minute": 22, "second": 4}
